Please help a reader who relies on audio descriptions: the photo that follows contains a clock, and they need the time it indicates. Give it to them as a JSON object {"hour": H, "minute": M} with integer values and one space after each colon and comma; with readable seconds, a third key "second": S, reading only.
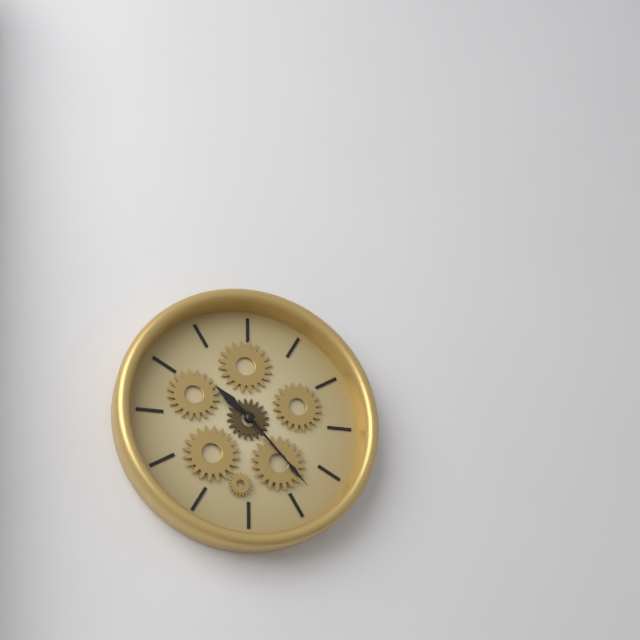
{"hour": 10, "minute": 23}
